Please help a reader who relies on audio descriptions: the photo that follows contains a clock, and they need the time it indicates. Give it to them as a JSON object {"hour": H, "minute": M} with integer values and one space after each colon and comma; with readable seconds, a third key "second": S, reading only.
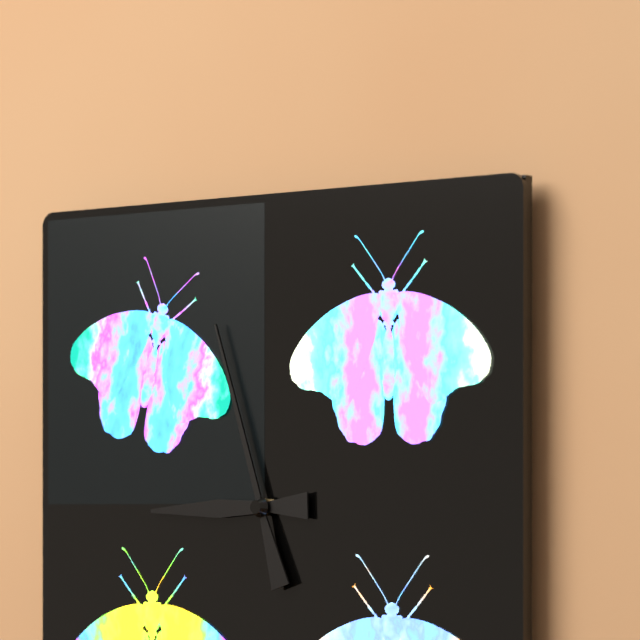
{"hour": 8, "minute": 57}
